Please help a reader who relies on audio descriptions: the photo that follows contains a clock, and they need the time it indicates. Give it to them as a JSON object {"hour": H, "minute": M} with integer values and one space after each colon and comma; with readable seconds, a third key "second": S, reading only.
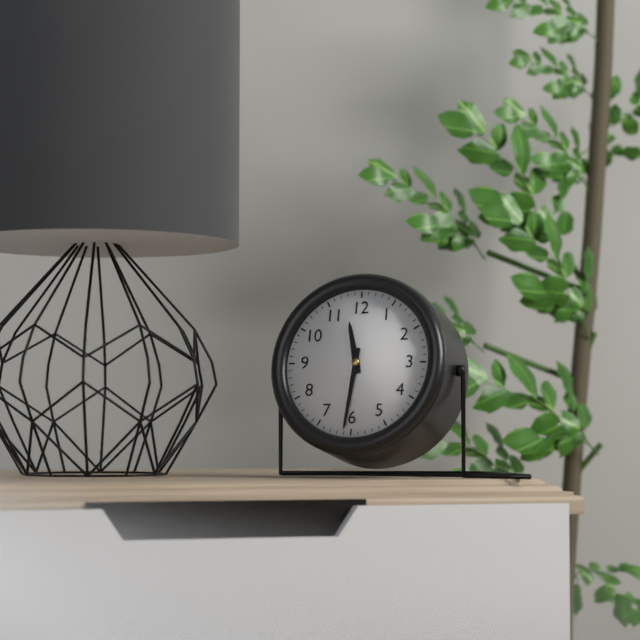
{"hour": 11, "minute": 31}
